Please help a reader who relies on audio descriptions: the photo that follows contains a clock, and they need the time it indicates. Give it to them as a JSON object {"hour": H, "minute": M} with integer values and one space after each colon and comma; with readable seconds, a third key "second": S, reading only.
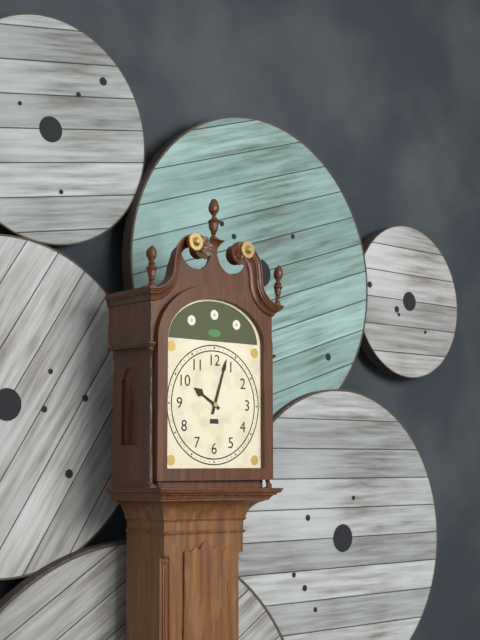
{"hour": 10, "minute": 3}
